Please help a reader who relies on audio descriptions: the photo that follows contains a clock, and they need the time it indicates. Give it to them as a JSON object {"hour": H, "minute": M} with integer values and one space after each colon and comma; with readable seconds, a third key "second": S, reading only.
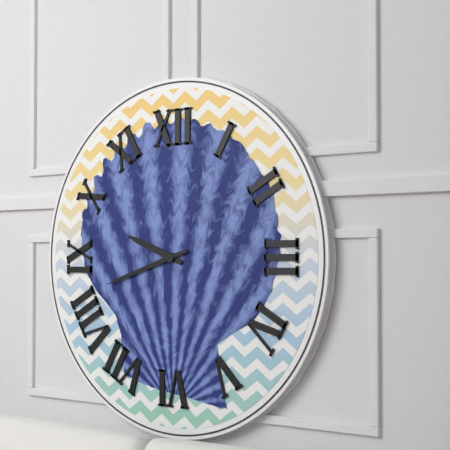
{"hour": 9, "minute": 42}
